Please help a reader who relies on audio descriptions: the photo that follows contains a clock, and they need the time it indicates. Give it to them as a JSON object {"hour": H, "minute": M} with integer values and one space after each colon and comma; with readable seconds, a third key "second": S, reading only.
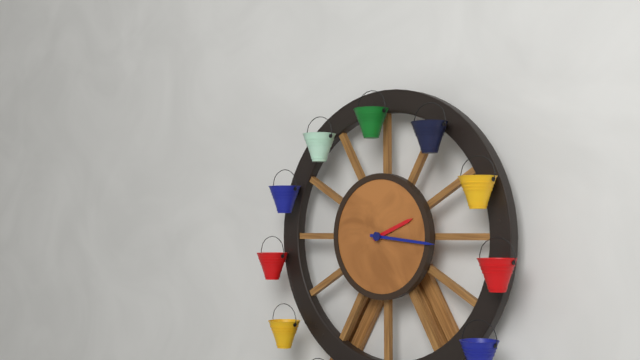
{"hour": 2, "minute": 16}
